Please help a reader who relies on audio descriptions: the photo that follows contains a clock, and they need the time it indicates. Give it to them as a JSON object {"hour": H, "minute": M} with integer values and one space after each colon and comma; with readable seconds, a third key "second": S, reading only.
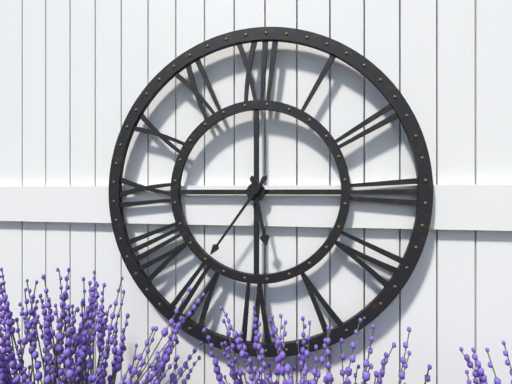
{"hour": 5, "minute": 36}
